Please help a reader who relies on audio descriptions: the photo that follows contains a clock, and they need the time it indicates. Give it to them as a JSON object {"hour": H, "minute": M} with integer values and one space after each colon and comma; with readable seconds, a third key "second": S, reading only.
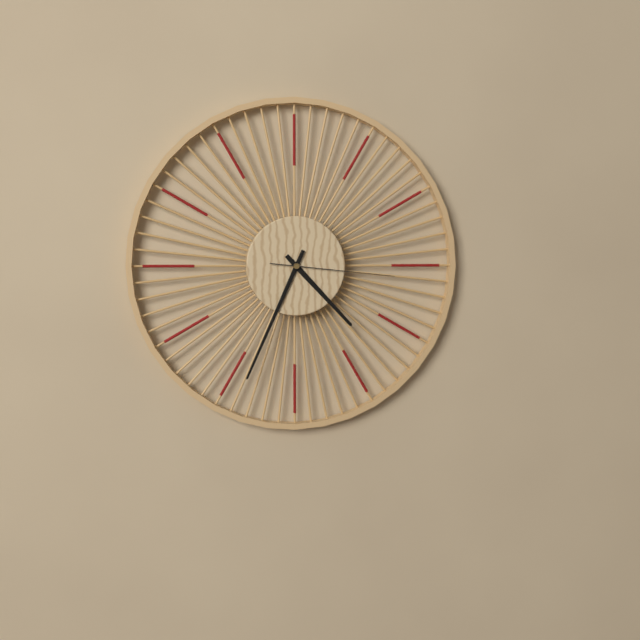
{"hour": 4, "minute": 34, "second": 16}
